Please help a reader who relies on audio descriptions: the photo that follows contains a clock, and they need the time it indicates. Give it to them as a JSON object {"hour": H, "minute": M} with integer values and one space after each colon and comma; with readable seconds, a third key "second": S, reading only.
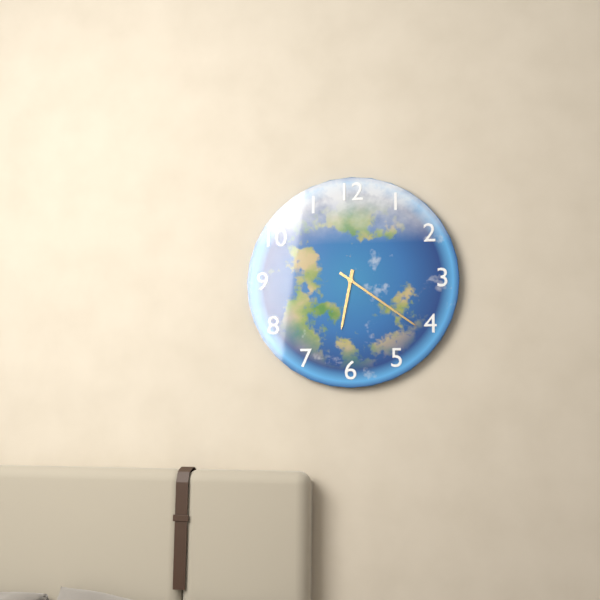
{"hour": 6, "minute": 21}
